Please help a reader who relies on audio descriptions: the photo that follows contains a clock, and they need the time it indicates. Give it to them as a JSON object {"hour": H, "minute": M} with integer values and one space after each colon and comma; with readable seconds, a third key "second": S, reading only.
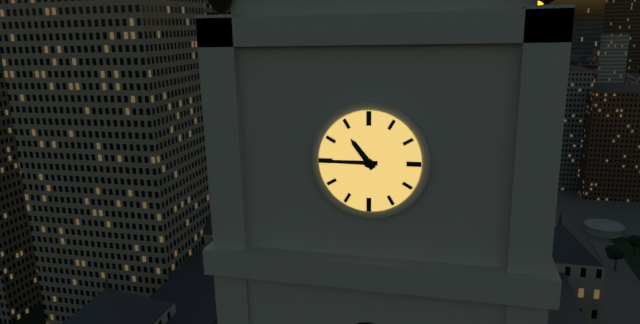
{"hour": 10, "minute": 45}
